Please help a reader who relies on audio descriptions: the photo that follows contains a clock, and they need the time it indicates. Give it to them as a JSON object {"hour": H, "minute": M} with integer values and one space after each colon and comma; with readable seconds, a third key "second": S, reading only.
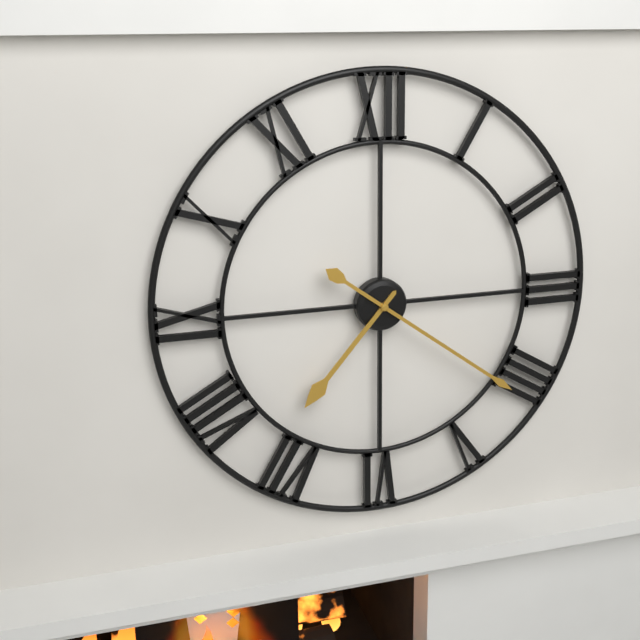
{"hour": 7, "minute": 21}
